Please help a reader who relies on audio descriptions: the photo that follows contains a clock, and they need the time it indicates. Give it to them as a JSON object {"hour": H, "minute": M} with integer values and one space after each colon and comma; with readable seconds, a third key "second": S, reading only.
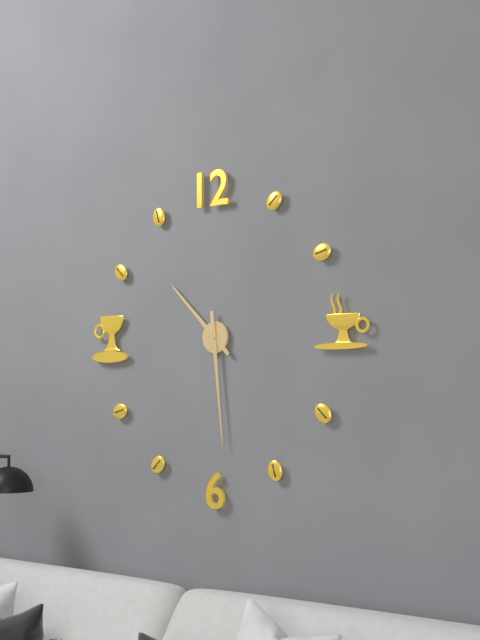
{"hour": 10, "minute": 29}
